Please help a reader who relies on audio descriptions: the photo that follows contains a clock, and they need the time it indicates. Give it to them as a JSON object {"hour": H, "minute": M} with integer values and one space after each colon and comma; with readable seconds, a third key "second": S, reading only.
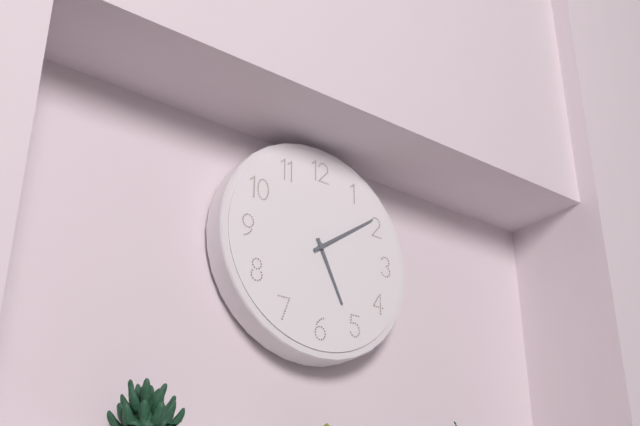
{"hour": 5, "minute": 9}
